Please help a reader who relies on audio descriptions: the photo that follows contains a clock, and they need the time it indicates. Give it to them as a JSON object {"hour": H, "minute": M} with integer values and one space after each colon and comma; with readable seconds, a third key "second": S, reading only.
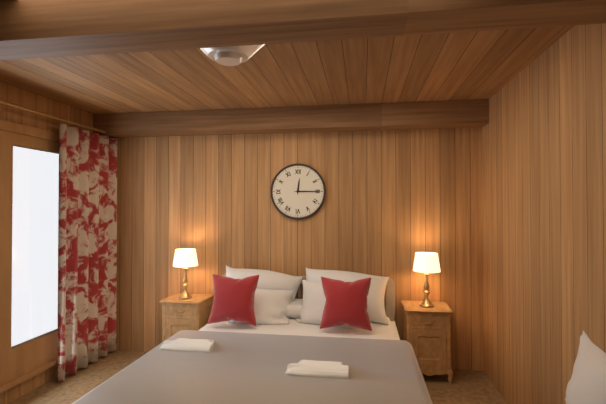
{"hour": 12, "minute": 15}
